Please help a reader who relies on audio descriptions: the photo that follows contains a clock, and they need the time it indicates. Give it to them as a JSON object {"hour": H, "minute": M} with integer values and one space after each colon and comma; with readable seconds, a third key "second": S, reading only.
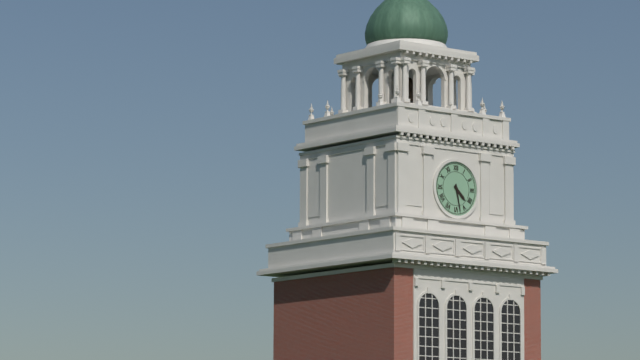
{"hour": 4, "minute": 28}
